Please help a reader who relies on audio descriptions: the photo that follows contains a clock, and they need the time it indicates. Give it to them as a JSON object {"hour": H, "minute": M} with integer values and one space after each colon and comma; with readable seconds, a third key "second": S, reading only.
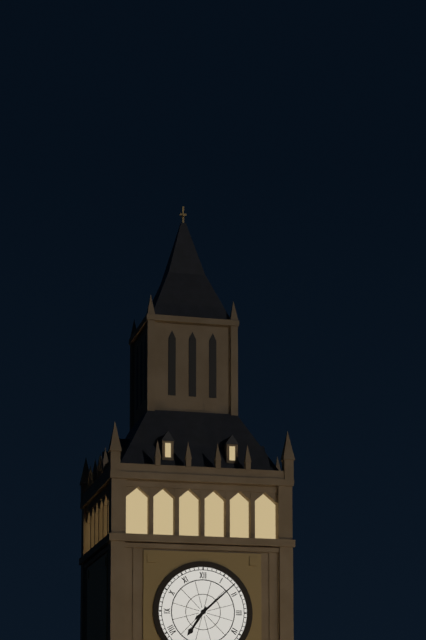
{"hour": 7, "minute": 8}
